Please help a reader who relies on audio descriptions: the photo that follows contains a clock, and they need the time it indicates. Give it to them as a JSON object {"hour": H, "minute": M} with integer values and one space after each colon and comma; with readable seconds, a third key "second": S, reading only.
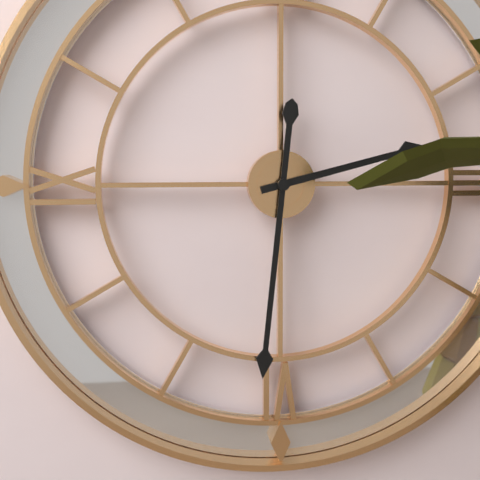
{"hour": 2, "minute": 31}
